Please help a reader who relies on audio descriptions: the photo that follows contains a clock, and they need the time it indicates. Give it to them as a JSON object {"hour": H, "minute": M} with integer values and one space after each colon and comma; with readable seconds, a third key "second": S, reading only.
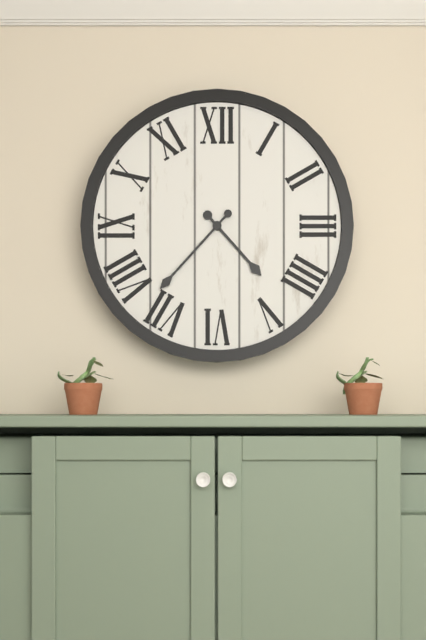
{"hour": 4, "minute": 37}
